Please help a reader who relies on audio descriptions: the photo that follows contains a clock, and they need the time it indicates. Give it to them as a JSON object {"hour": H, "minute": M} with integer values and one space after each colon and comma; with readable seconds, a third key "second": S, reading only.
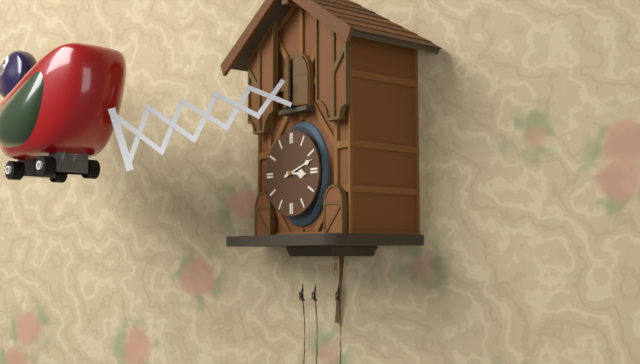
{"hour": 3, "minute": 12}
